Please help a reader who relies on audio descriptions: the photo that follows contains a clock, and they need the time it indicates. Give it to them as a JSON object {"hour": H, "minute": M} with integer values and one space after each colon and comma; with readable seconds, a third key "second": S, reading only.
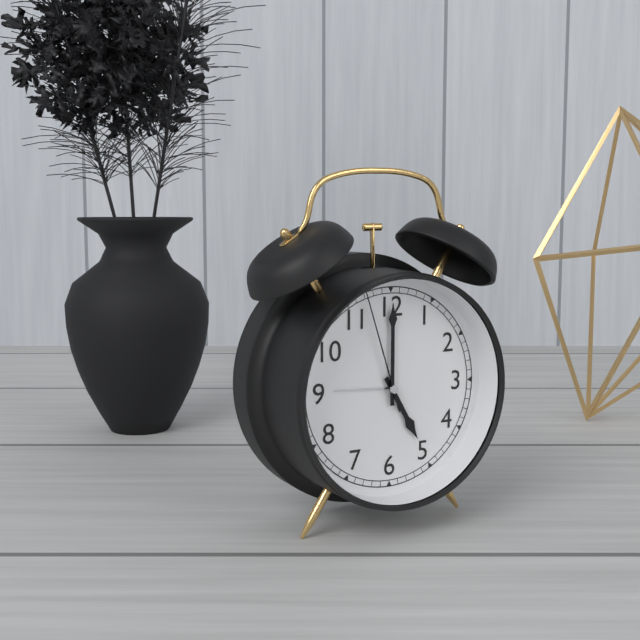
{"hour": 5, "minute": 0, "second": 57}
